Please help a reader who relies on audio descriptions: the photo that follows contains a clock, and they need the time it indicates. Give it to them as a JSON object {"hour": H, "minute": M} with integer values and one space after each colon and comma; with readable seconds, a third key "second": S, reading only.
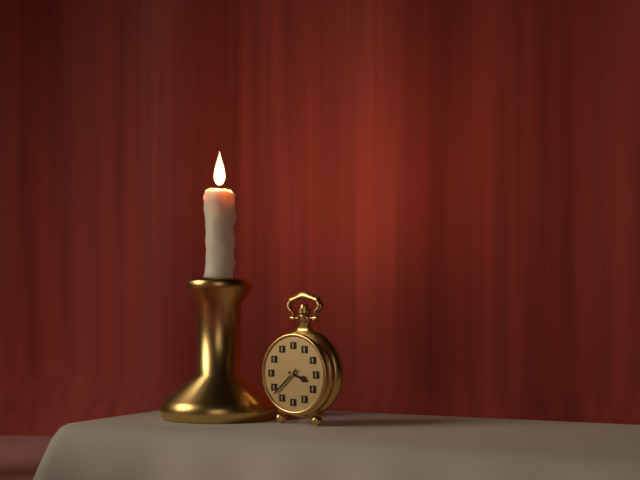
{"hour": 3, "minute": 38}
